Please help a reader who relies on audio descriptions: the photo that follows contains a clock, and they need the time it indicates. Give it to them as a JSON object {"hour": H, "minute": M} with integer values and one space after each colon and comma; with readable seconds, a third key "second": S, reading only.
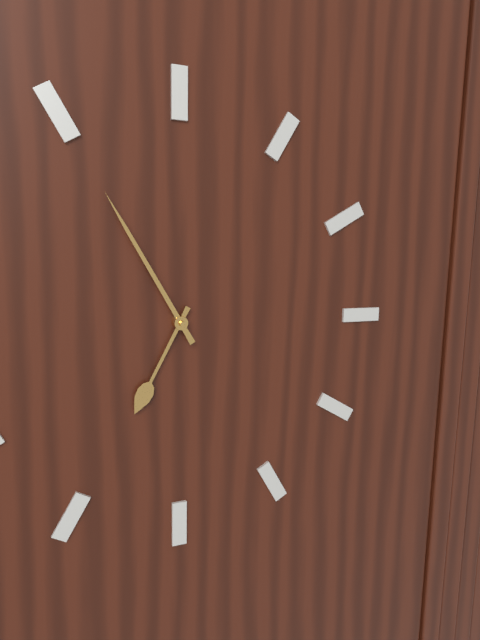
{"hour": 6, "minute": 55}
